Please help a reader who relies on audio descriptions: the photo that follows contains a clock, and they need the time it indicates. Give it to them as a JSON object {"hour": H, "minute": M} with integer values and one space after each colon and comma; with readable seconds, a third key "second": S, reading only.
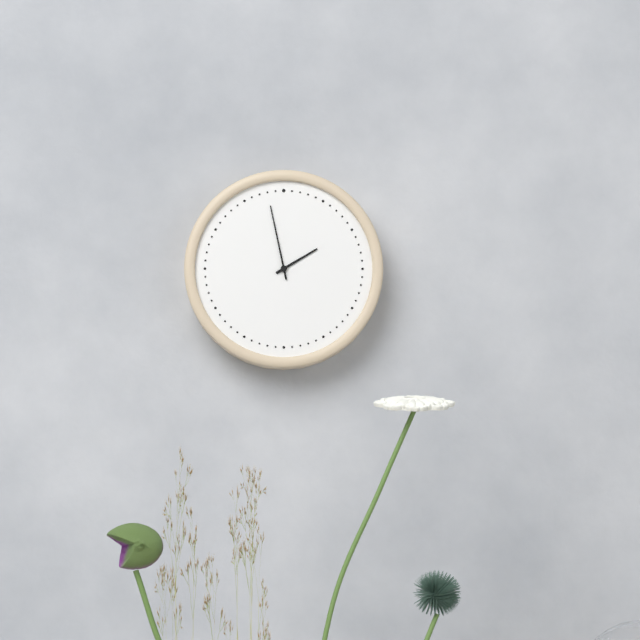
{"hour": 1, "minute": 58}
